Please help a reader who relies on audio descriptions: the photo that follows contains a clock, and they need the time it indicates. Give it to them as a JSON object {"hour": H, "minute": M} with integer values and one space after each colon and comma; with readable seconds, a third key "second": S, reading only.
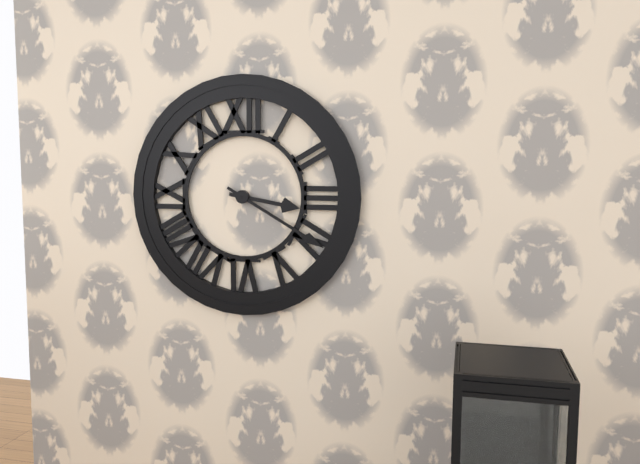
{"hour": 3, "minute": 20}
